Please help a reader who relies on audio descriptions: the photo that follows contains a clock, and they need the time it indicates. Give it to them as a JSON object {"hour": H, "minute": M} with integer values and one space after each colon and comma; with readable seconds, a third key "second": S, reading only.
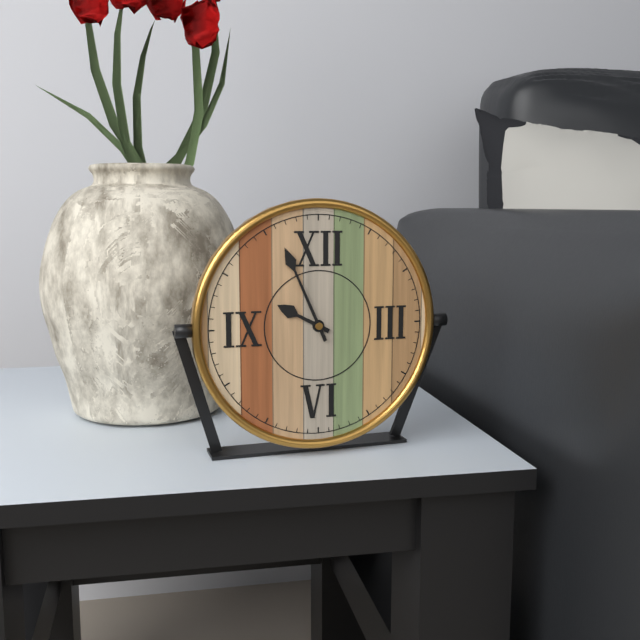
{"hour": 9, "minute": 56}
